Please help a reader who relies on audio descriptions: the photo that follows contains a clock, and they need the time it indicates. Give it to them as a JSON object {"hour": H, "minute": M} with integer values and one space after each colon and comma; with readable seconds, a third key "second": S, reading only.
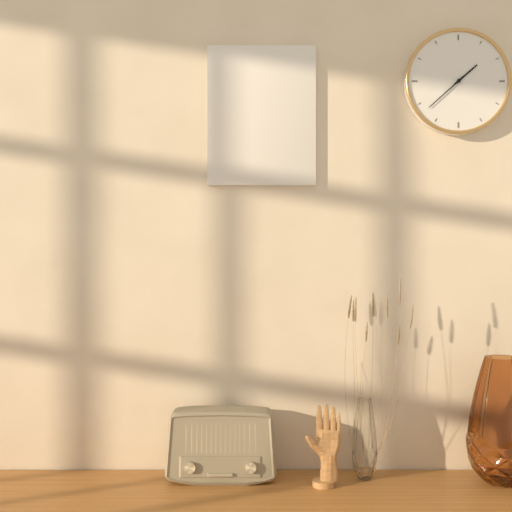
{"hour": 1, "minute": 38}
